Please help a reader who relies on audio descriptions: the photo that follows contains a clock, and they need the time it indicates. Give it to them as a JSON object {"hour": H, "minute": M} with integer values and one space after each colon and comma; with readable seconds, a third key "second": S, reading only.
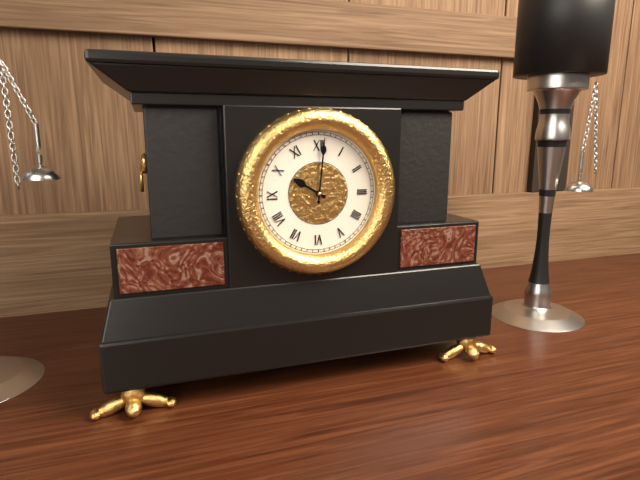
{"hour": 10, "minute": 1}
